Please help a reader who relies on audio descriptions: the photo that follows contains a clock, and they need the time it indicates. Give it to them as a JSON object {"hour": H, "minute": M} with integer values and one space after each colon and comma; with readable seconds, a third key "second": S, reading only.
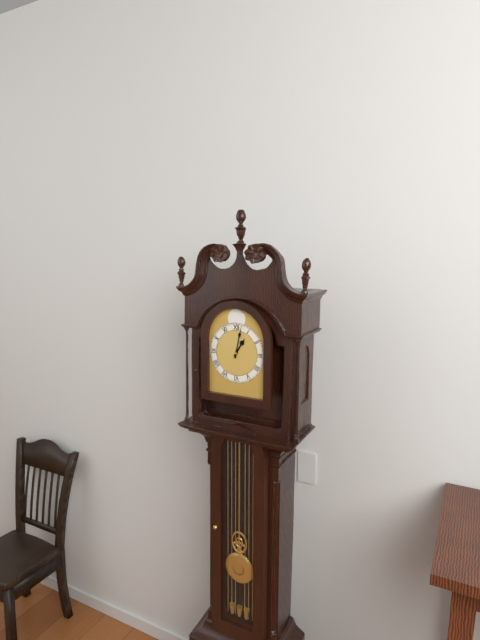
{"hour": 1, "minute": 2}
